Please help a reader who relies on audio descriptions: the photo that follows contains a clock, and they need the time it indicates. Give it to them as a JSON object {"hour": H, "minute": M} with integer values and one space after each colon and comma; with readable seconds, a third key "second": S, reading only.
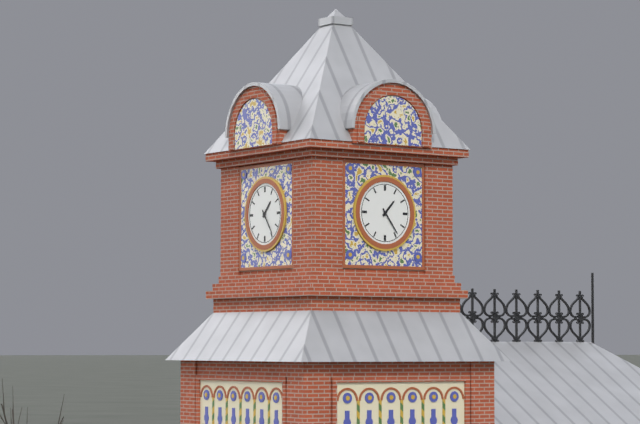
{"hour": 1, "minute": 24}
